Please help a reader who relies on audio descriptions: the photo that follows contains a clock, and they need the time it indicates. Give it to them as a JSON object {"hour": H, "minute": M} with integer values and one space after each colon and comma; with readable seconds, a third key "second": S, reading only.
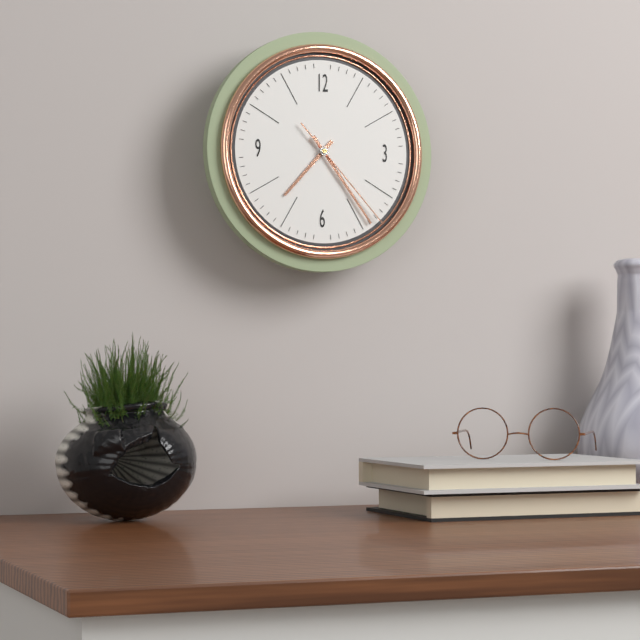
{"hour": 7, "minute": 24, "second": 23}
